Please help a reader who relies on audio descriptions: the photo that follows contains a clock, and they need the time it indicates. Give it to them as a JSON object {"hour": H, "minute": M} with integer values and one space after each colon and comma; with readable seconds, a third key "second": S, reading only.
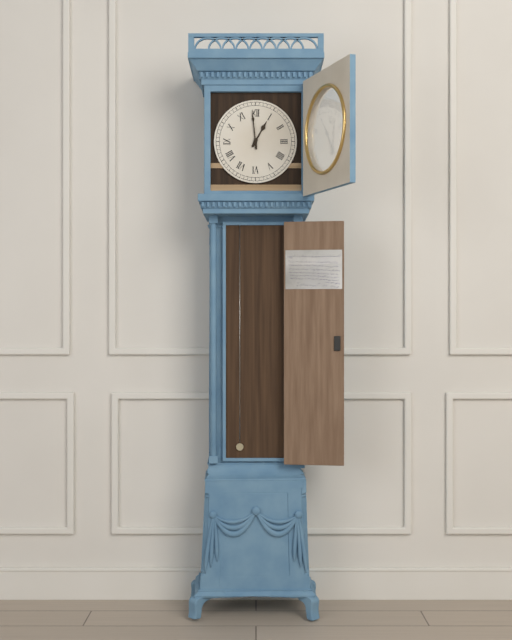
{"hour": 12, "minute": 59}
